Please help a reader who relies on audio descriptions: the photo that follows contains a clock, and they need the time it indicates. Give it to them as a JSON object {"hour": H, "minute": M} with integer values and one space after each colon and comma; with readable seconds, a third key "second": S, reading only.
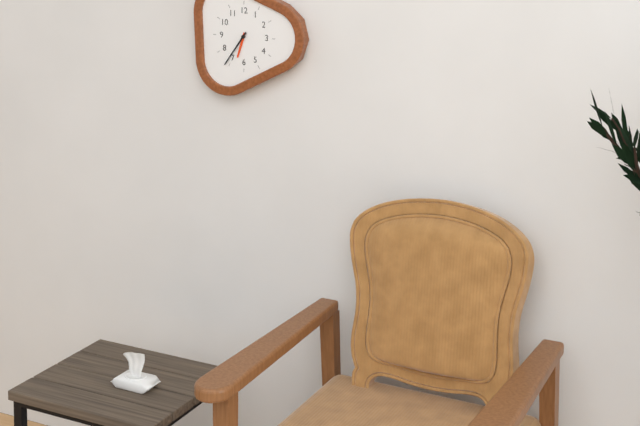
{"hour": 6, "minute": 36}
